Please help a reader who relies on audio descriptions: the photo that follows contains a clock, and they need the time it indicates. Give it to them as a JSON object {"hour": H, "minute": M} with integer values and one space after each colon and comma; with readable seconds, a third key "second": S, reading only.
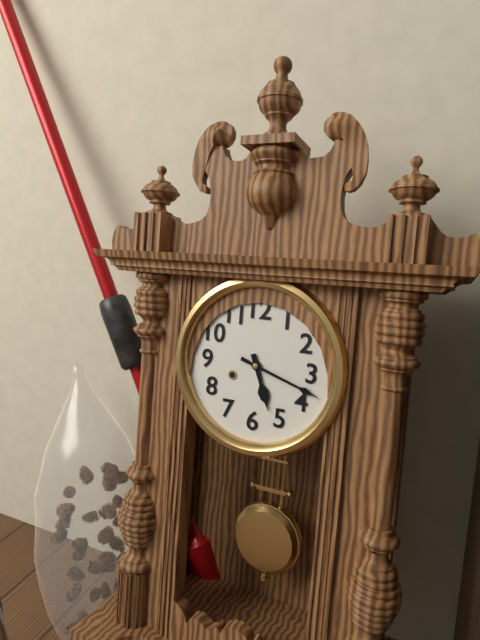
{"hour": 5, "minute": 18}
